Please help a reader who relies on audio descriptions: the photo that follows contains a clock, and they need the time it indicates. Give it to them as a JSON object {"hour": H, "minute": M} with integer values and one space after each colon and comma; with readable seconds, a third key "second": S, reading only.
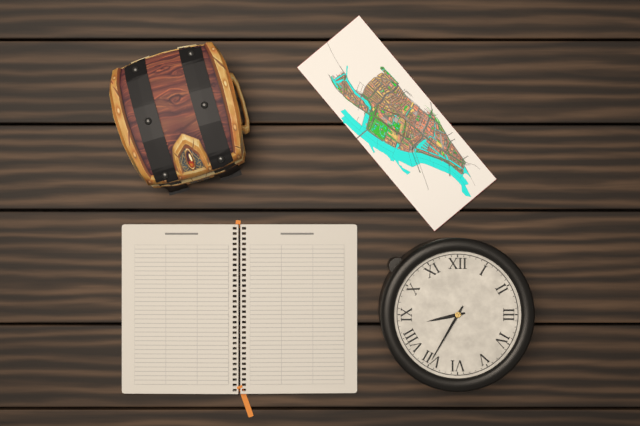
{"hour": 8, "minute": 35}
